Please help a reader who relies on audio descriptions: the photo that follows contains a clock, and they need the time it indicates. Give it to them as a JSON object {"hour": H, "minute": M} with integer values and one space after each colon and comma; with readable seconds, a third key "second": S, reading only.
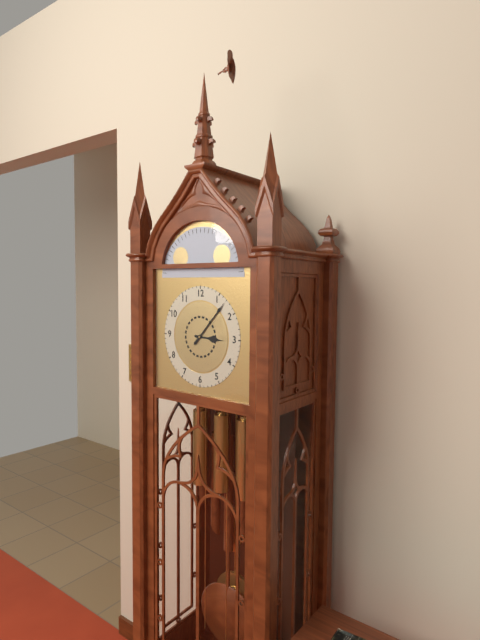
{"hour": 3, "minute": 7}
